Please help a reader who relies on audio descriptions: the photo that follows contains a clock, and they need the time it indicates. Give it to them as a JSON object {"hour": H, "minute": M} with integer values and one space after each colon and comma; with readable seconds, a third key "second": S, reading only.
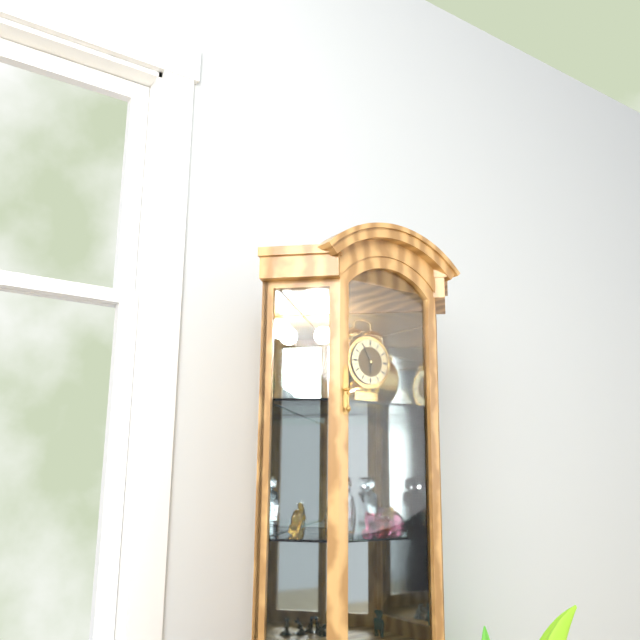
{"hour": 5, "minute": 55}
